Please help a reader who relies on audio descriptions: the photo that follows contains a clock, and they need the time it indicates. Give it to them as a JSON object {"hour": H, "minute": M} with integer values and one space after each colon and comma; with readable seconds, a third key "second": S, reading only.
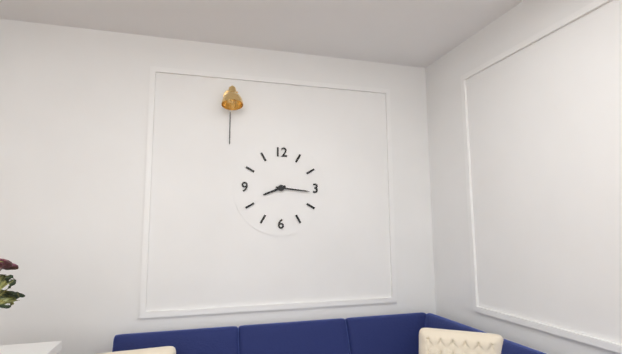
{"hour": 8, "minute": 16}
